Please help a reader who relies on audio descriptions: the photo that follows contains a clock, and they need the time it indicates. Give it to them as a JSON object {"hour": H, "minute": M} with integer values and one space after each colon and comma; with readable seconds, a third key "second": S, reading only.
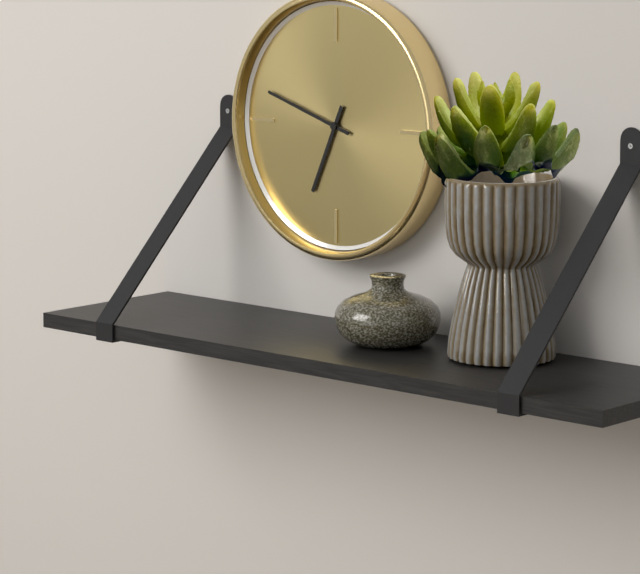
{"hour": 6, "minute": 48}
